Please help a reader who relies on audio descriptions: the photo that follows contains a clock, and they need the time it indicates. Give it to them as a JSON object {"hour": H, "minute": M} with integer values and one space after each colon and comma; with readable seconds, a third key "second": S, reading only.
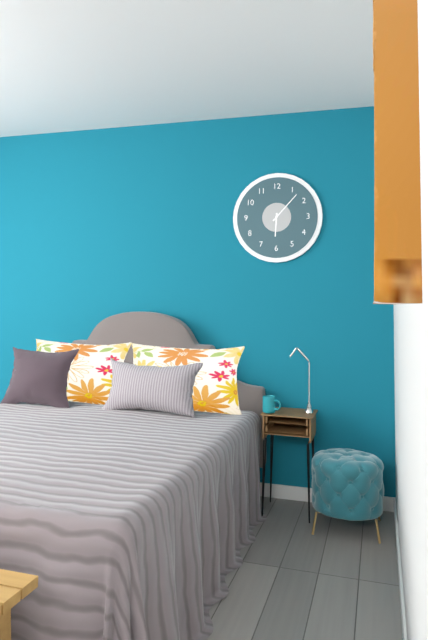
{"hour": 6, "minute": 7}
